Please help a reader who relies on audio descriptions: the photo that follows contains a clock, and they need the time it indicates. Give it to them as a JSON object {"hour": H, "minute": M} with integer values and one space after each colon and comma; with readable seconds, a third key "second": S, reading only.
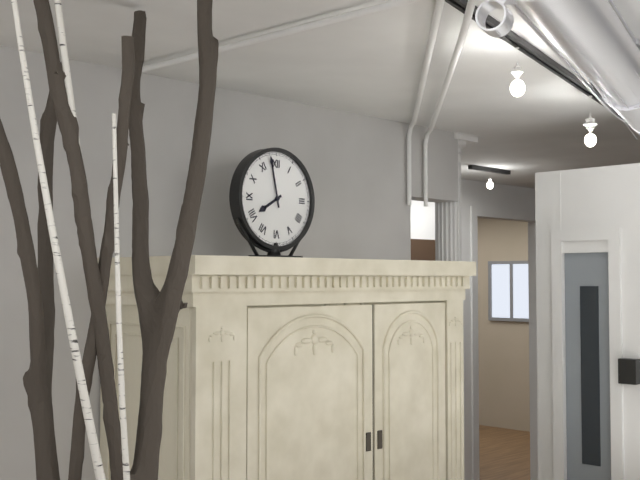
{"hour": 7, "minute": 58}
